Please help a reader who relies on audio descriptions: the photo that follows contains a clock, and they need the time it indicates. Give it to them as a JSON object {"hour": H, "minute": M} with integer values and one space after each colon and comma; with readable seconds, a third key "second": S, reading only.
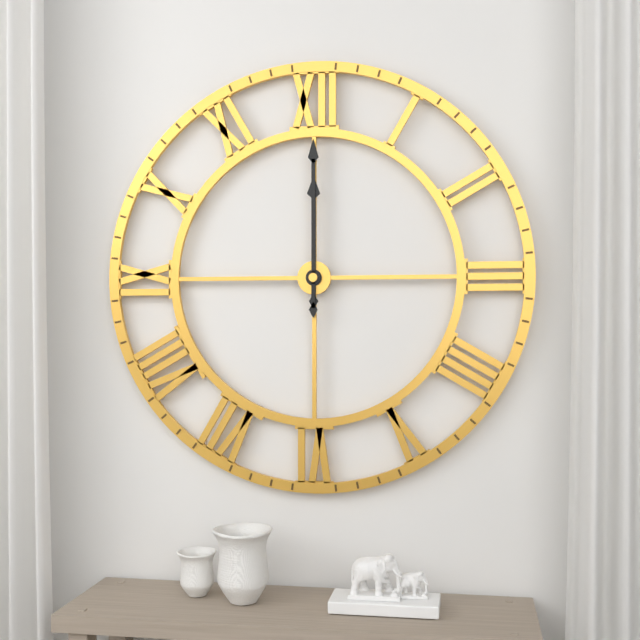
{"hour": 12, "minute": 0}
